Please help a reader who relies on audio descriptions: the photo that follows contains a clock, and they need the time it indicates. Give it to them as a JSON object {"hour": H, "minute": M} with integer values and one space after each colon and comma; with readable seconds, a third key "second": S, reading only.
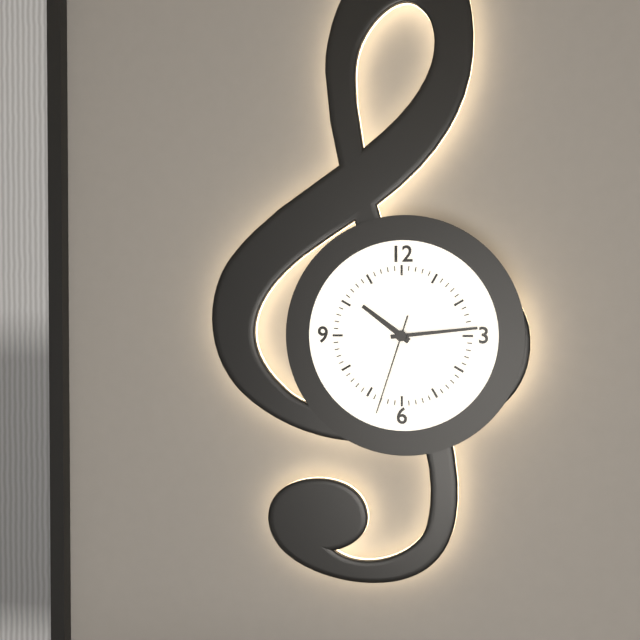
{"hour": 10, "minute": 14, "second": 33}
